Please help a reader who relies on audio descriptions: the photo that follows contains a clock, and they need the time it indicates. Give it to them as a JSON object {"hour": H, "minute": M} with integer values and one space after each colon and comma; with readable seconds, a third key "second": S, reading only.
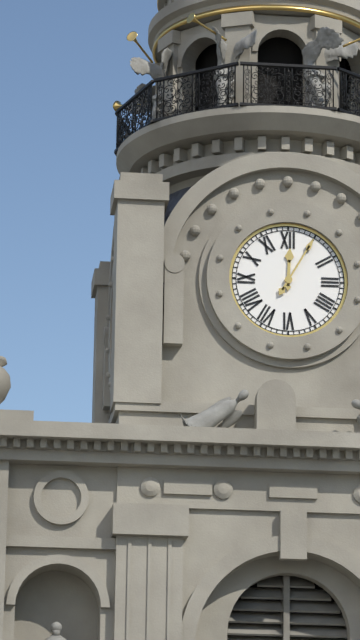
{"hour": 12, "minute": 5}
